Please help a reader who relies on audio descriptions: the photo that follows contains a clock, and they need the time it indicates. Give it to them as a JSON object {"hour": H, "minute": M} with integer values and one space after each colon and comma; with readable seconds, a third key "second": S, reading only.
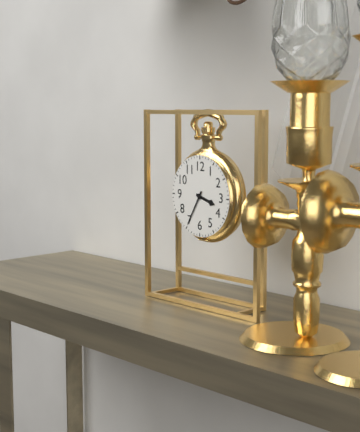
{"hour": 3, "minute": 35}
